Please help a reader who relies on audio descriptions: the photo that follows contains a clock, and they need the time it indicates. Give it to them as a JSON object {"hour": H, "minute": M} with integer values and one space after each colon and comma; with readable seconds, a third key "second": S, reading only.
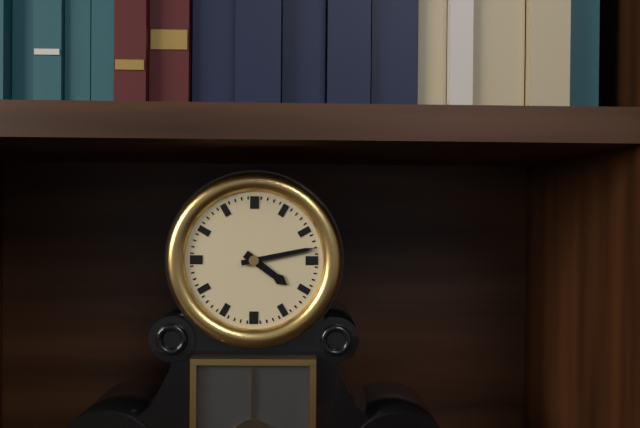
{"hour": 4, "minute": 13}
